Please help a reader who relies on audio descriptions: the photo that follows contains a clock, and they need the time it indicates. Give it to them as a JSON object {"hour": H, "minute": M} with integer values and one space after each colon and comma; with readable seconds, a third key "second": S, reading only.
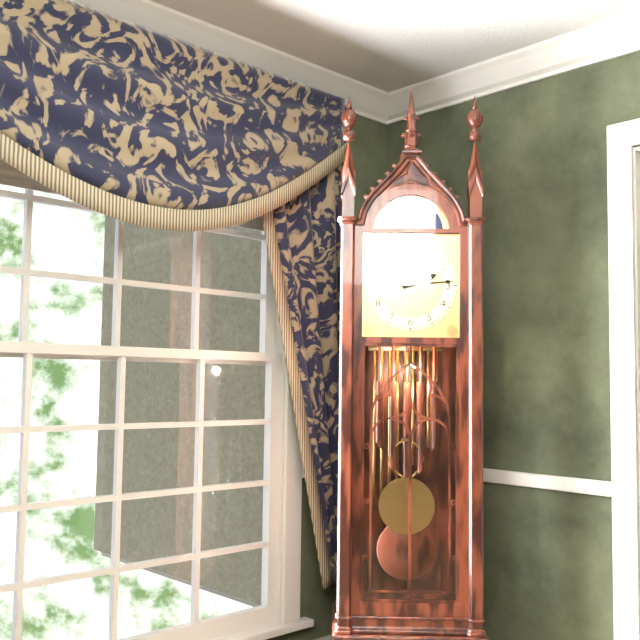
{"hour": 2, "minute": 14}
